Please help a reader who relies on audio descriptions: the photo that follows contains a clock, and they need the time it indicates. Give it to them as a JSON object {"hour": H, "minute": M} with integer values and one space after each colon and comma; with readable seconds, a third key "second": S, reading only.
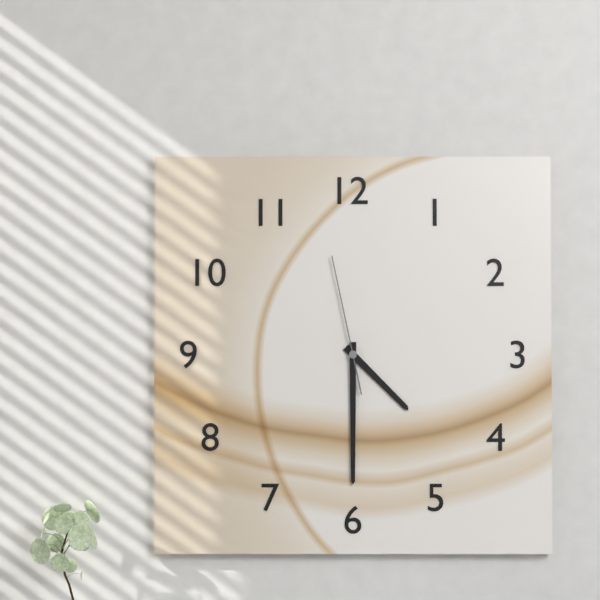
{"hour": 4, "minute": 30, "second": 58}
